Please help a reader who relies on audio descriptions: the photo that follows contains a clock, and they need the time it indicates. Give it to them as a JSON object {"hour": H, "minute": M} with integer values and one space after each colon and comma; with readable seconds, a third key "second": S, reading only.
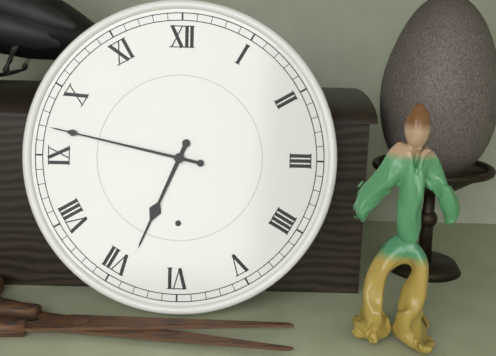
{"hour": 6, "minute": 47}
